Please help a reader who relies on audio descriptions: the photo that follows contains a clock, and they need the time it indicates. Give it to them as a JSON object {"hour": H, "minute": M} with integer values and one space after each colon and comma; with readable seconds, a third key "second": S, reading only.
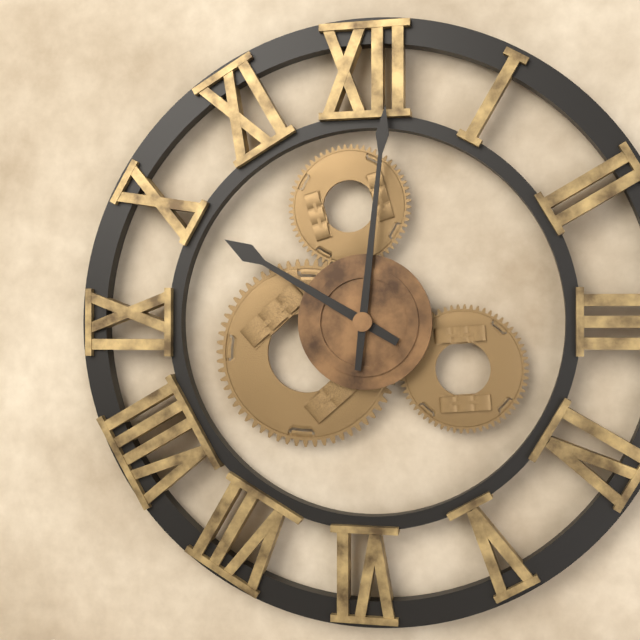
{"hour": 10, "minute": 1}
